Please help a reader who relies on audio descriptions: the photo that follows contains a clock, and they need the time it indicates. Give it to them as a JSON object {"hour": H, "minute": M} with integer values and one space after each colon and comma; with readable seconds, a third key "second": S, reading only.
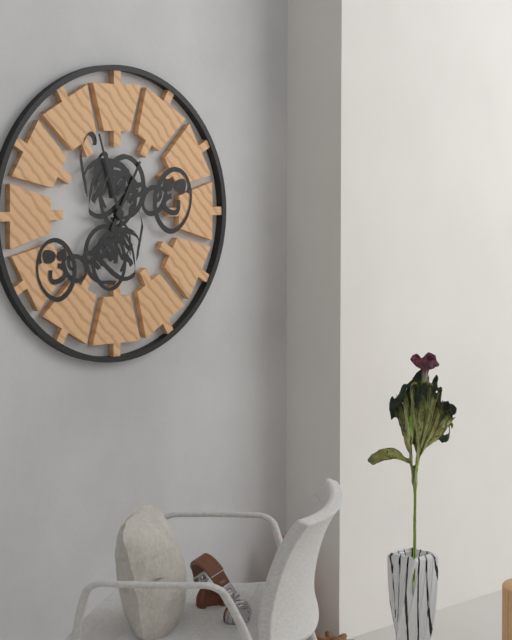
{"hour": 12, "minute": 57}
